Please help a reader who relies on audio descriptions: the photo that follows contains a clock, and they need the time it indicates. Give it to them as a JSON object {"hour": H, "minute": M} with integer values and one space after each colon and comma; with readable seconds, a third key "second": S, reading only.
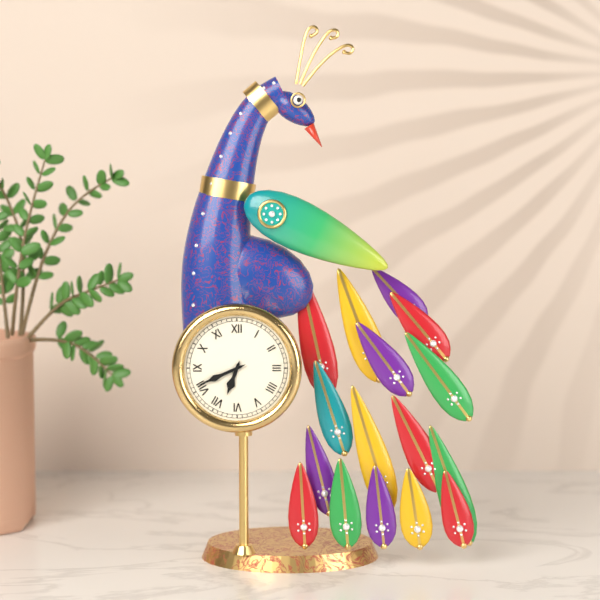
{"hour": 6, "minute": 41}
